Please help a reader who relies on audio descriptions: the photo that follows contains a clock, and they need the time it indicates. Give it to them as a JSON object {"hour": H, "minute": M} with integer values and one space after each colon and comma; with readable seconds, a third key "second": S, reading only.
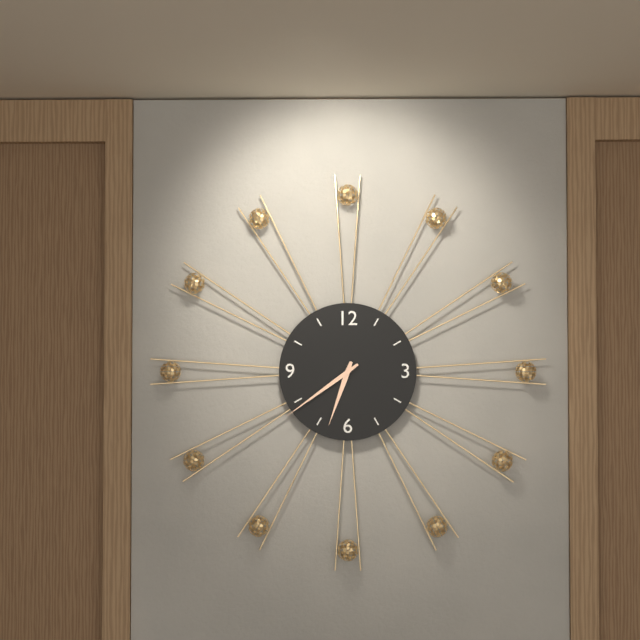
{"hour": 6, "minute": 39}
